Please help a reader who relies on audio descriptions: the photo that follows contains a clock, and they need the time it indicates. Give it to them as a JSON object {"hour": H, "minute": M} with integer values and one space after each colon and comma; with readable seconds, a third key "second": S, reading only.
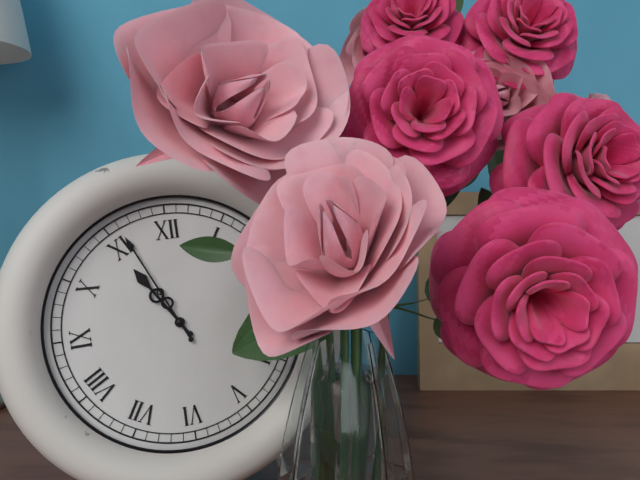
{"hour": 10, "minute": 56}
